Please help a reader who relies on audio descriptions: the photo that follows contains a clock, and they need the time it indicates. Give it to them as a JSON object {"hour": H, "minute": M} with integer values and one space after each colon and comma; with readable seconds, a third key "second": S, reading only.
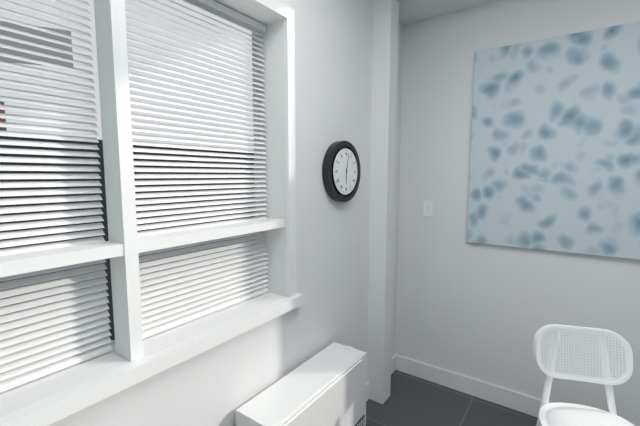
{"hour": 6, "minute": 2}
